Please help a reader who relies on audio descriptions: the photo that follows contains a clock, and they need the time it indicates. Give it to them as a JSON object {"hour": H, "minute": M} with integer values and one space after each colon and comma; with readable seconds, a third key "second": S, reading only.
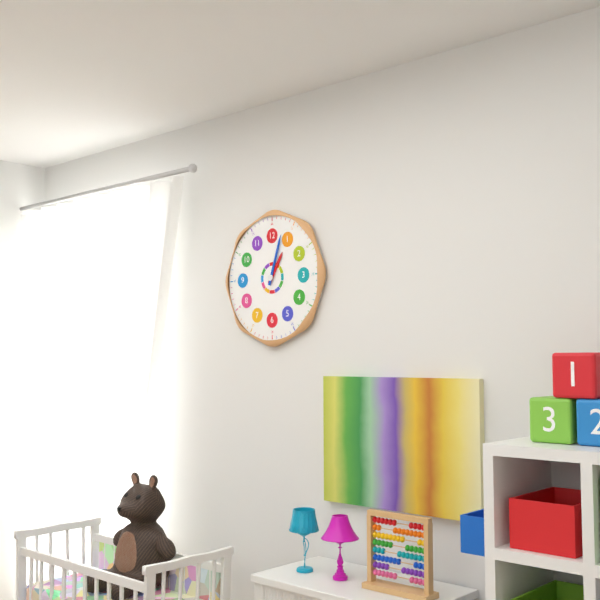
{"hour": 1, "minute": 3}
